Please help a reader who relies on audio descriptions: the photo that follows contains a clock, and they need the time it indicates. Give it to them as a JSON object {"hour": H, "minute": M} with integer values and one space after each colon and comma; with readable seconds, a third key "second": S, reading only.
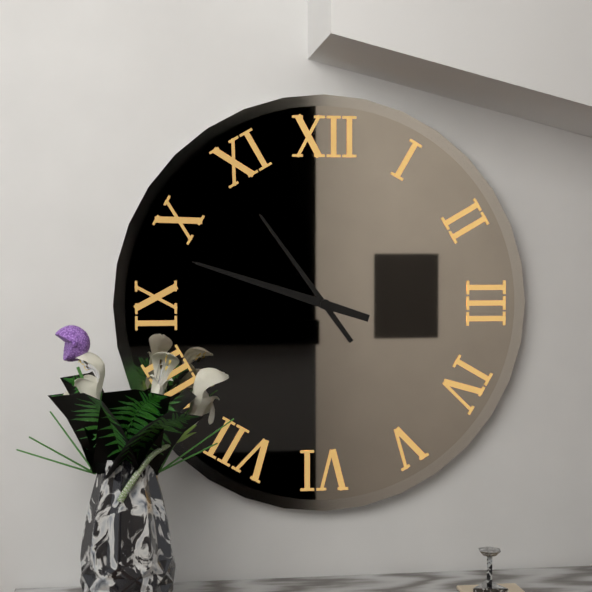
{"hour": 10, "minute": 48}
